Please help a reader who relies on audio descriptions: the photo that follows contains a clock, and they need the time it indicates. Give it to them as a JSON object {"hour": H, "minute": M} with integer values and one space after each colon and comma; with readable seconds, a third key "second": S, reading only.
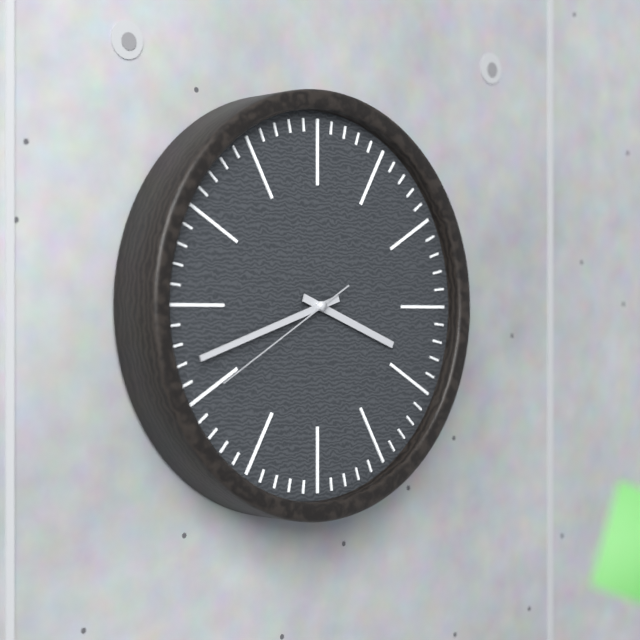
{"hour": 3, "minute": 42, "second": 40}
